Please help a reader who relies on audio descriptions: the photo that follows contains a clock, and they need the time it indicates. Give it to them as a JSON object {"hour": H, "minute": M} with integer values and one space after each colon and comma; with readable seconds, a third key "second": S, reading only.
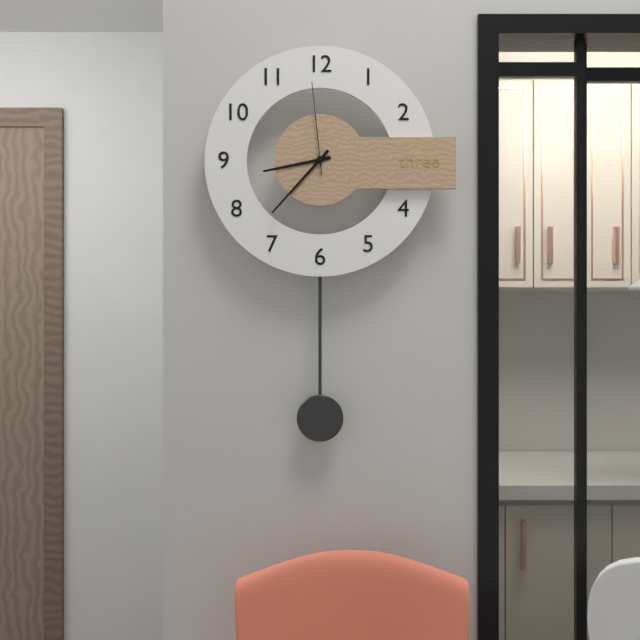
{"hour": 8, "minute": 37, "second": 59}
